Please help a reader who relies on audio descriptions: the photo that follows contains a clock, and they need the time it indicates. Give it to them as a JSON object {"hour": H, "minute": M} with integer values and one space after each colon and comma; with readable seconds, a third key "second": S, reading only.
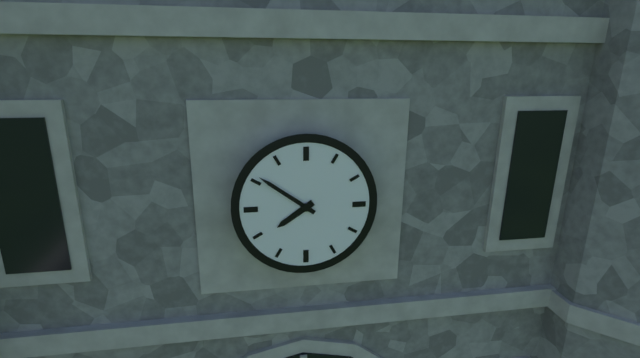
{"hour": 7, "minute": 51}
